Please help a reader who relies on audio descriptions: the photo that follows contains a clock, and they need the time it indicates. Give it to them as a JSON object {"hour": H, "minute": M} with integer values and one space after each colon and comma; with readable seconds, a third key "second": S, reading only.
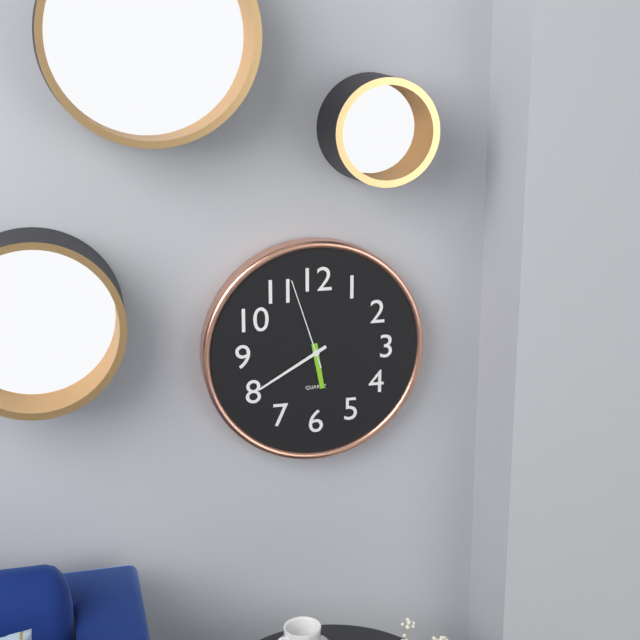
{"hour": 5, "minute": 40, "second": 57}
